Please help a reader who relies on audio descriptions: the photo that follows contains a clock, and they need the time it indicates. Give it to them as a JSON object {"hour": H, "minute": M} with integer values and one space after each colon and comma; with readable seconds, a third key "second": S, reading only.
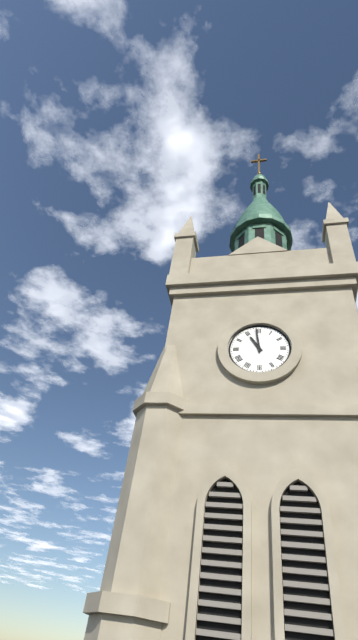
{"hour": 10, "minute": 59}
